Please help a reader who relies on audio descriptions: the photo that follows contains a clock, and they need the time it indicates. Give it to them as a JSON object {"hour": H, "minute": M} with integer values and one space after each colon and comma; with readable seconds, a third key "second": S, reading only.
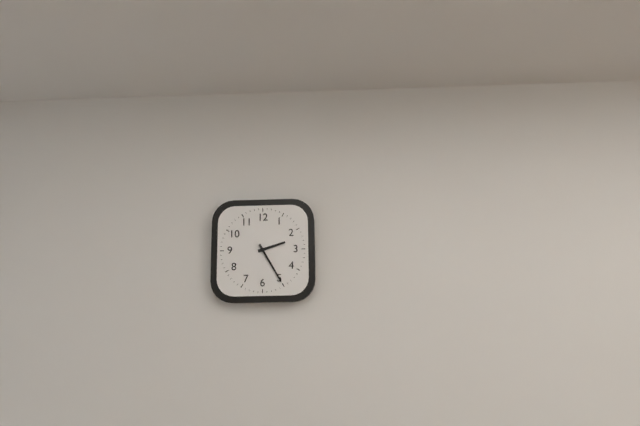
{"hour": 2, "minute": 25}
